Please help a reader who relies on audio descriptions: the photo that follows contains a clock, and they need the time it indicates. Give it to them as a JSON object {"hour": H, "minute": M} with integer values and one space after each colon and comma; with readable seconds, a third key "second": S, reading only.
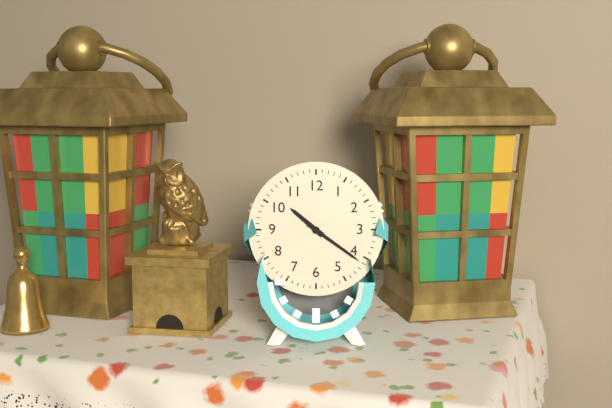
{"hour": 10, "minute": 21}
